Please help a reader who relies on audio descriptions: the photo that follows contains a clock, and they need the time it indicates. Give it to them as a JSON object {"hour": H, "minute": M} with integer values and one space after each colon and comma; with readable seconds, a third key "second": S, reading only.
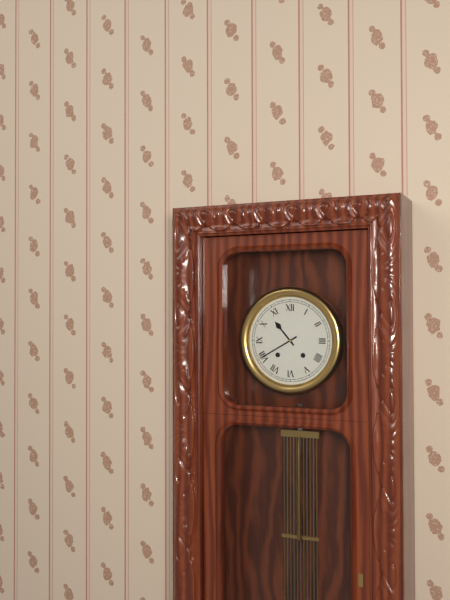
{"hour": 10, "minute": 40}
